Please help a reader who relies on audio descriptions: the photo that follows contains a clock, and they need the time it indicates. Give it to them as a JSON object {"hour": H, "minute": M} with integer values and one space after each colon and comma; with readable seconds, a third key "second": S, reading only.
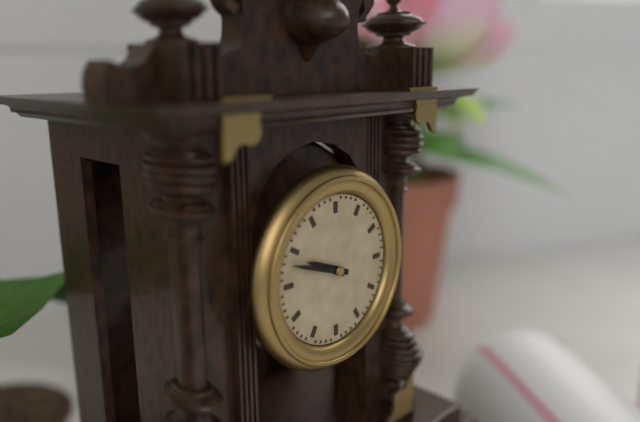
{"hour": 9, "minute": 48}
